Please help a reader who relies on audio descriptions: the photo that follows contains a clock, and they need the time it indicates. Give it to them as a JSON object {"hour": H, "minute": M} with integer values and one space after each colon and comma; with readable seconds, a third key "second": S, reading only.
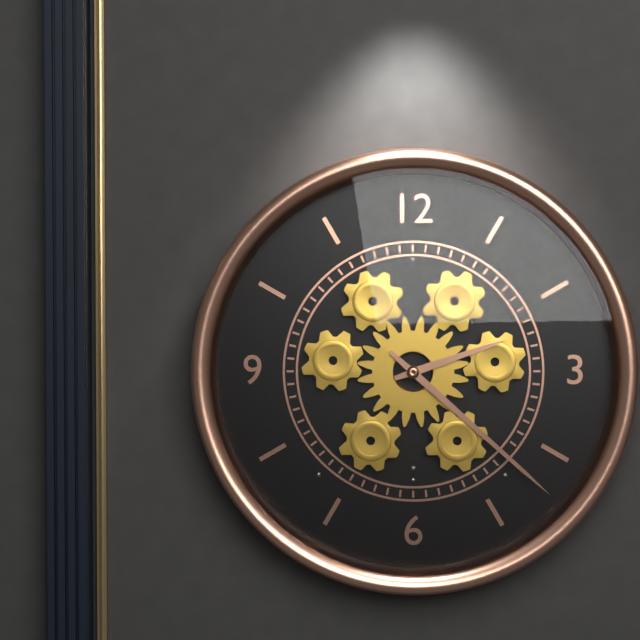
{"hour": 2, "minute": 22}
